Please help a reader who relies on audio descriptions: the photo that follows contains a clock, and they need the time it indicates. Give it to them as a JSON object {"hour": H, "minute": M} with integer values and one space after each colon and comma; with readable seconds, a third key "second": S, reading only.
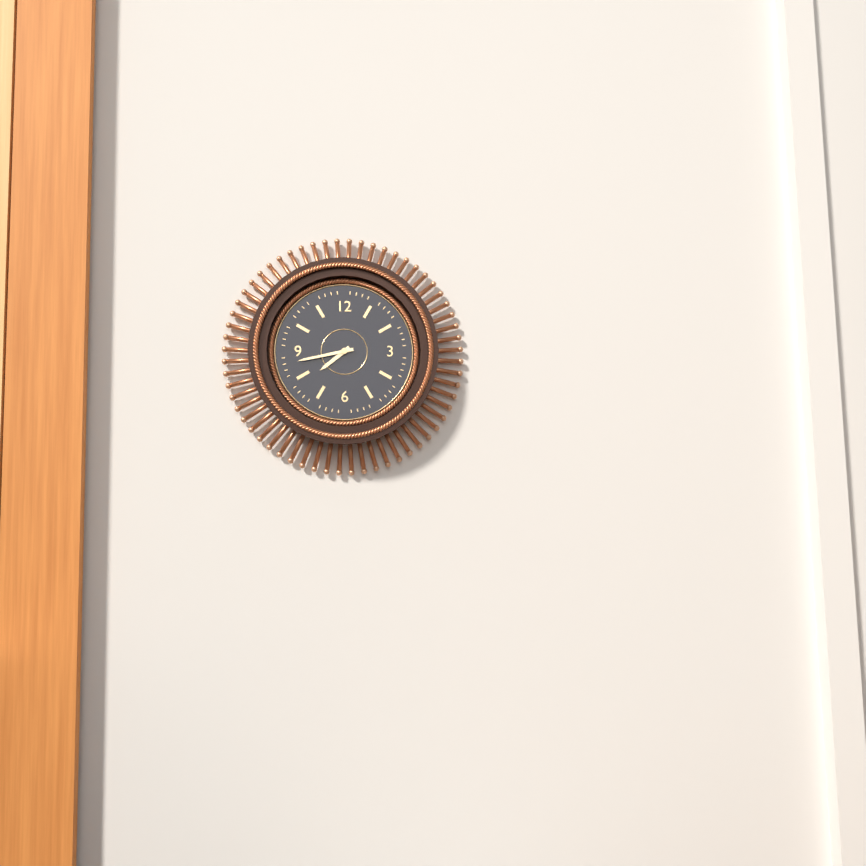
{"hour": 7, "minute": 43}
